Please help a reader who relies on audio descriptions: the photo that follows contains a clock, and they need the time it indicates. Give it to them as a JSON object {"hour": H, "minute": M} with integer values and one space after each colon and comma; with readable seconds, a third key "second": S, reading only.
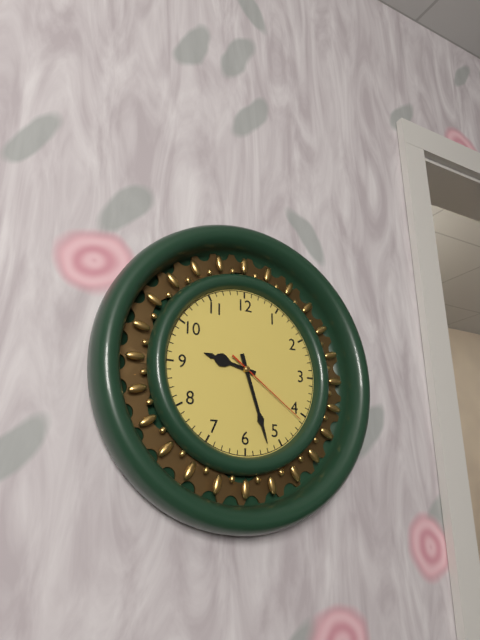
{"hour": 9, "minute": 27, "second": 21}
